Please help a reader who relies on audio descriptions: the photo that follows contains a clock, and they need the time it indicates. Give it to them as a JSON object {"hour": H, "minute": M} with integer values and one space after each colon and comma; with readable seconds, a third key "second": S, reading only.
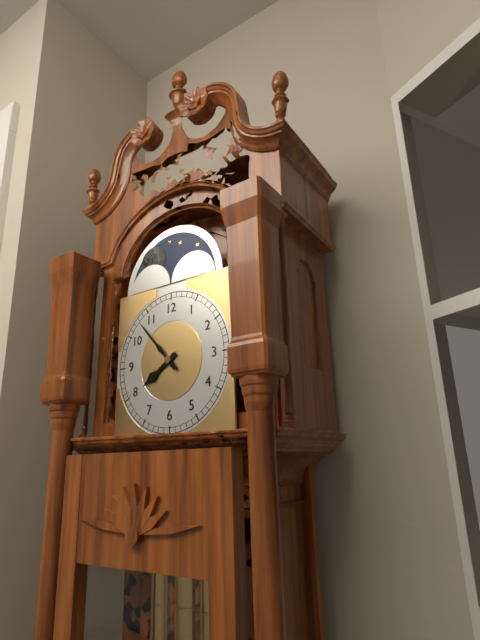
{"hour": 7, "minute": 53}
